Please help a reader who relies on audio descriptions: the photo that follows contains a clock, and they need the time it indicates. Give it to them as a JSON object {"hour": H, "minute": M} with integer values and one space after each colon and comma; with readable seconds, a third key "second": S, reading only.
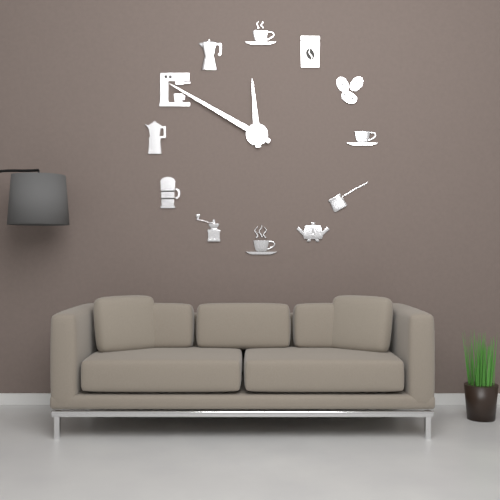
{"hour": 11, "minute": 50}
